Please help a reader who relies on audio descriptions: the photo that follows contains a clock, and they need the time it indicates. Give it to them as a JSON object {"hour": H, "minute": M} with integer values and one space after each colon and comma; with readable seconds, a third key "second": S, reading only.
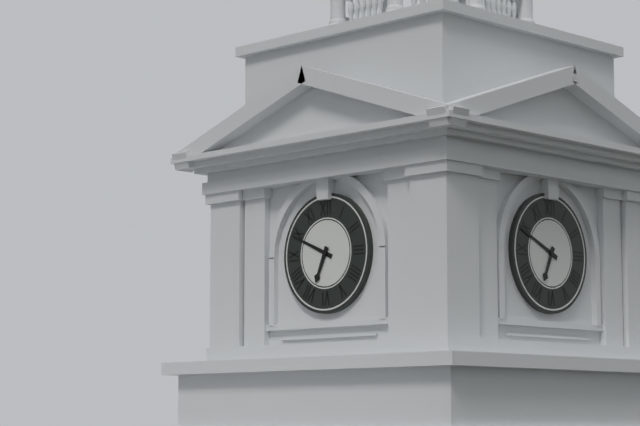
{"hour": 6, "minute": 49}
